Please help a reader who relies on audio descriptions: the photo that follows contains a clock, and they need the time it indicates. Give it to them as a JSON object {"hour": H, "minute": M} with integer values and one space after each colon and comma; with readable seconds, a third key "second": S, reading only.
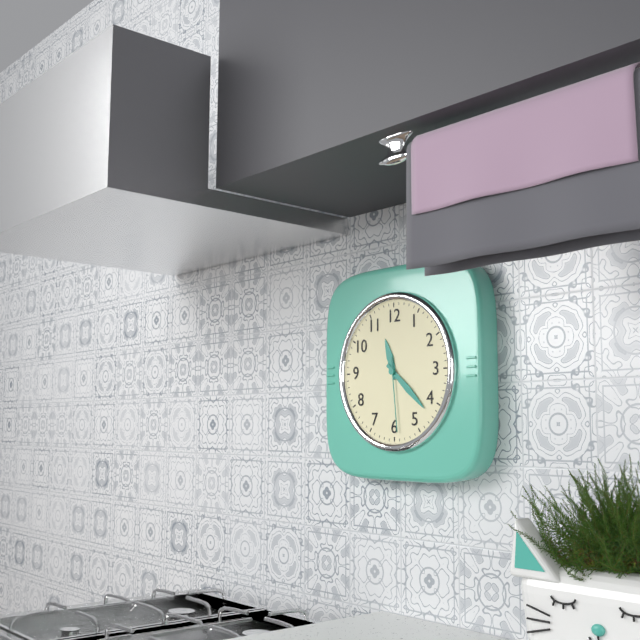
{"hour": 11, "minute": 22, "second": 29}
